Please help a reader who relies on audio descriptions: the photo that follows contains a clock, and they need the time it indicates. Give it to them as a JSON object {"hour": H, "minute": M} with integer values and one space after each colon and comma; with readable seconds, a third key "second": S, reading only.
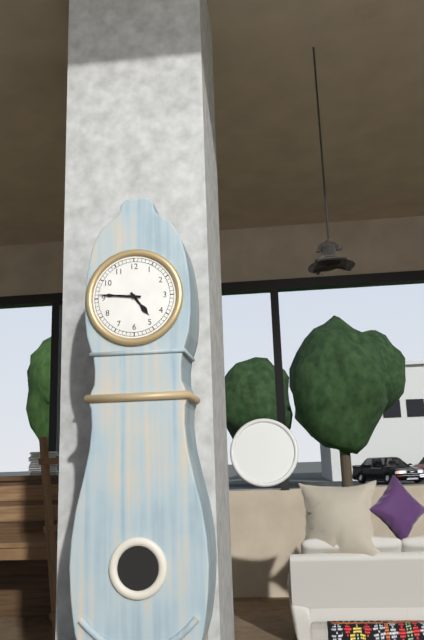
{"hour": 4, "minute": 46}
